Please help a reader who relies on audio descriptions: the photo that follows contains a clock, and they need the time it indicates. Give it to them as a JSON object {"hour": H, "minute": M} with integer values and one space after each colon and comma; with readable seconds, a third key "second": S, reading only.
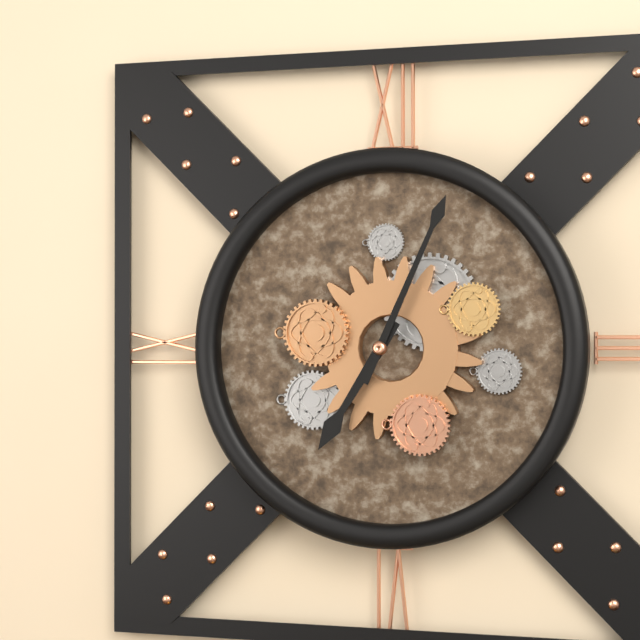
{"hour": 7, "minute": 4}
